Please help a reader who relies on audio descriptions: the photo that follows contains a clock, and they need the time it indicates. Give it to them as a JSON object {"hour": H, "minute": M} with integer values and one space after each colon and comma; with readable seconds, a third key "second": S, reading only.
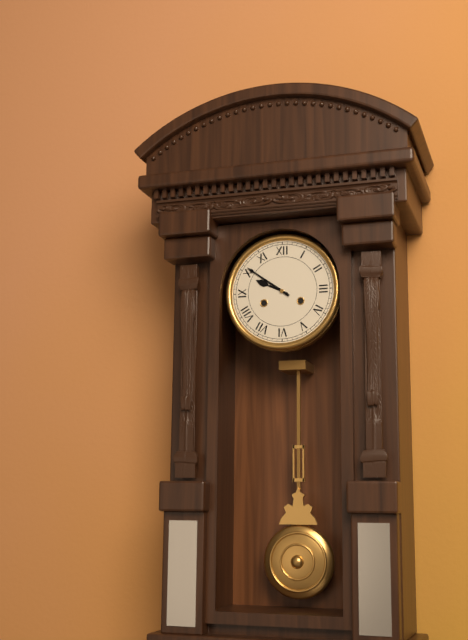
{"hour": 9, "minute": 51}
